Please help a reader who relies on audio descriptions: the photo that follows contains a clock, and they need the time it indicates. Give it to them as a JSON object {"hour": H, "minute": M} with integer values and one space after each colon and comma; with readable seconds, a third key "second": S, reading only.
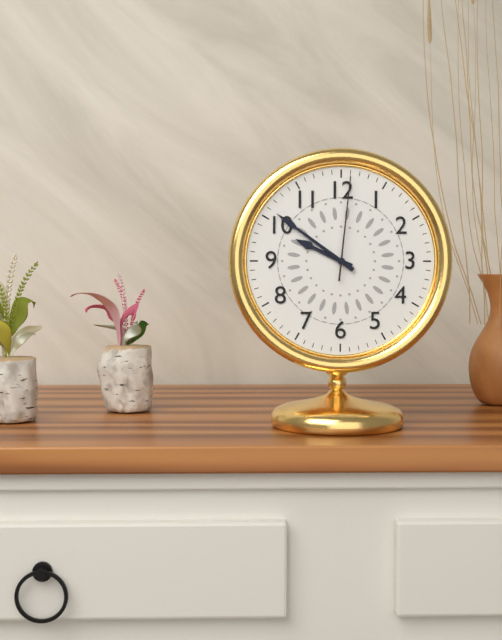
{"hour": 9, "minute": 51, "second": 1}
